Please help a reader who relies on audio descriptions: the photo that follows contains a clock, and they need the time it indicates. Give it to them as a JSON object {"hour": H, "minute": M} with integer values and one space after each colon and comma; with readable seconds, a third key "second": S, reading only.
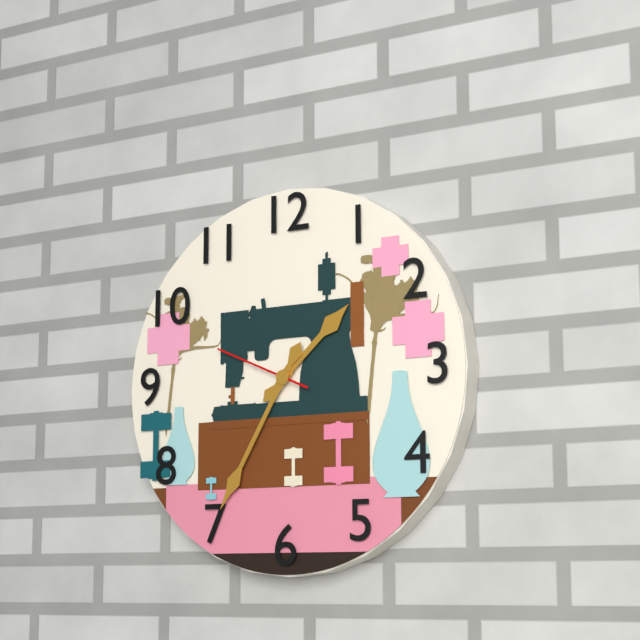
{"hour": 1, "minute": 35, "second": 49}
